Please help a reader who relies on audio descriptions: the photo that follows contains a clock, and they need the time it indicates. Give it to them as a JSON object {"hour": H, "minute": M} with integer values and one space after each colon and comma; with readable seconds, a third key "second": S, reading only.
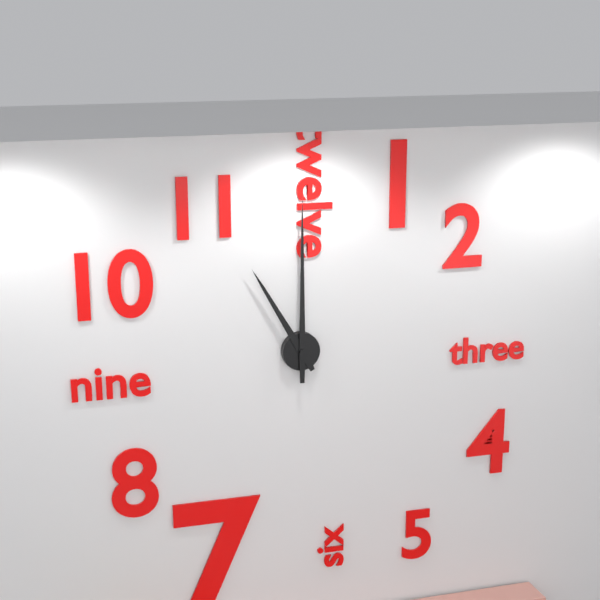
{"hour": 11, "minute": 0}
